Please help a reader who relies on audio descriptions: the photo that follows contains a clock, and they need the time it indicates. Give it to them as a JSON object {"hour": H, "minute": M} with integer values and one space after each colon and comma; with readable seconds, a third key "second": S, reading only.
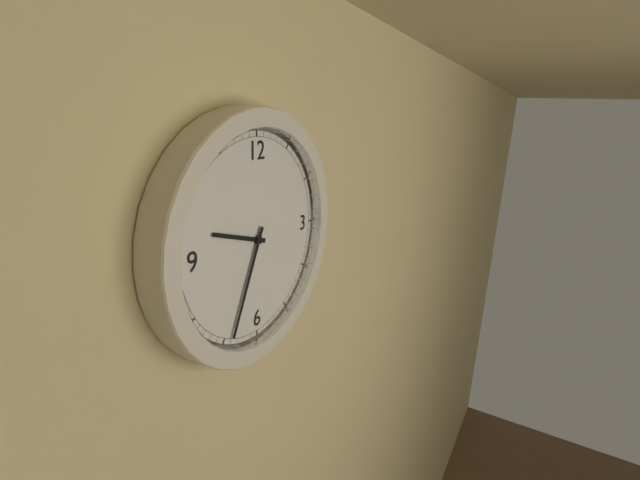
{"hour": 9, "minute": 34}
